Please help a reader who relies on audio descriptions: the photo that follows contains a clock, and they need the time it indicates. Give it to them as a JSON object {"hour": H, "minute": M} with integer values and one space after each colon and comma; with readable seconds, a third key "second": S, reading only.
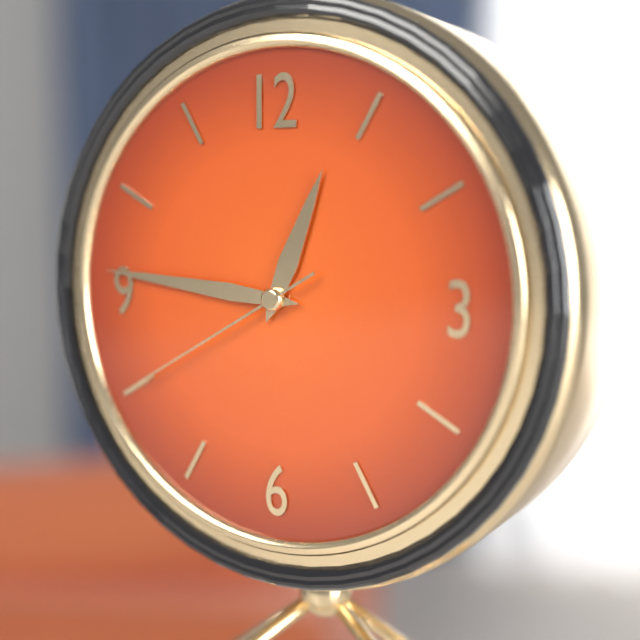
{"hour": 12, "minute": 46, "second": 40}
